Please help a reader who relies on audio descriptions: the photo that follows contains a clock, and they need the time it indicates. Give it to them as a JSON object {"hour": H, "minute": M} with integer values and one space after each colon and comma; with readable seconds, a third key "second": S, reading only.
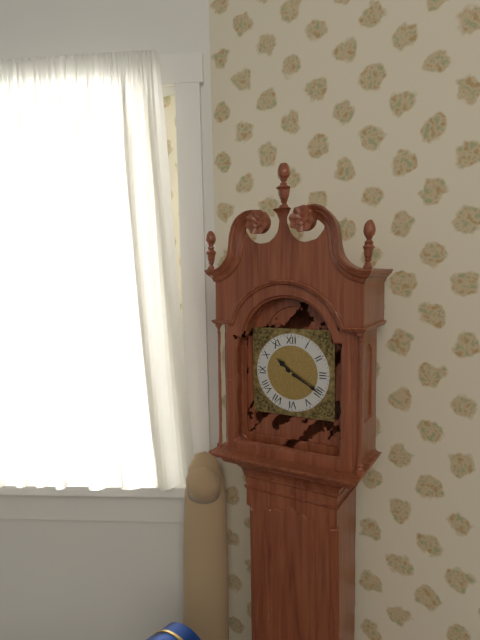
{"hour": 10, "minute": 20}
